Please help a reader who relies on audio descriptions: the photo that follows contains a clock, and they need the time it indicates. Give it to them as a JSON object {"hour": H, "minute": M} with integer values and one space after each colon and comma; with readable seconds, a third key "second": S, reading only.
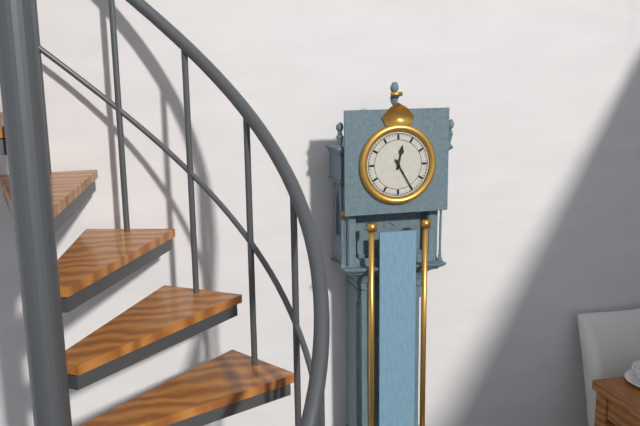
{"hour": 12, "minute": 25}
